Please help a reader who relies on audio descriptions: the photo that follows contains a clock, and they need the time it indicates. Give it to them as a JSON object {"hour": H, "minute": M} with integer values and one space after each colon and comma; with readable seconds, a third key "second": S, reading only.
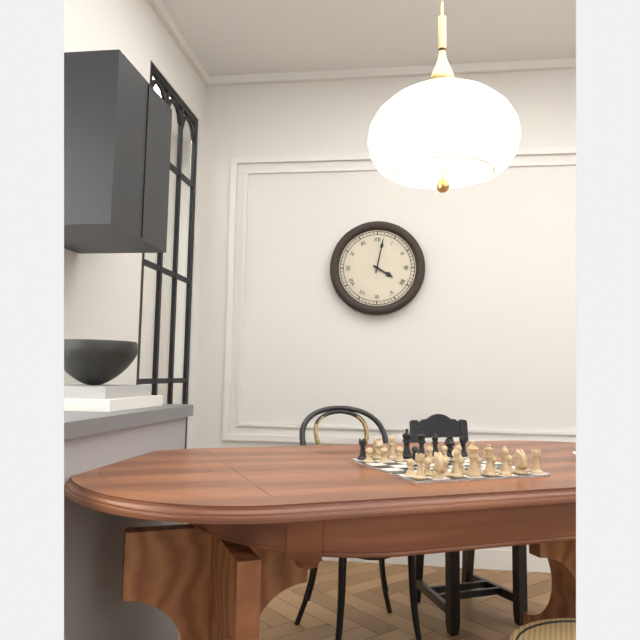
{"hour": 4, "minute": 2}
